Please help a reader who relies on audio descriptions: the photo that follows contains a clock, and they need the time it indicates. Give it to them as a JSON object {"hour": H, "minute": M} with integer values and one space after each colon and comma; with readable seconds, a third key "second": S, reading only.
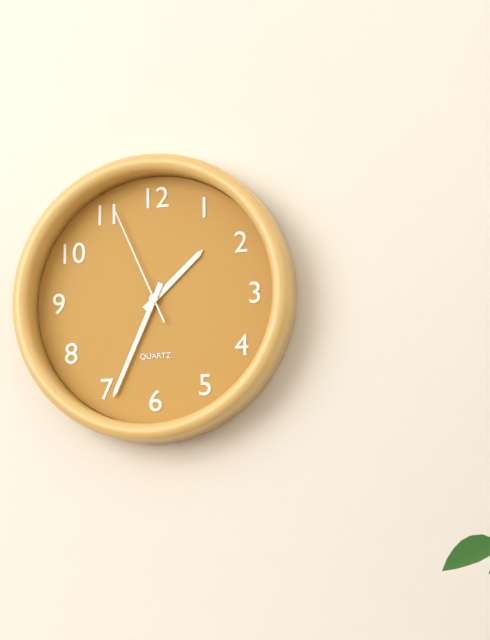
{"hour": 1, "minute": 34, "second": 56}
